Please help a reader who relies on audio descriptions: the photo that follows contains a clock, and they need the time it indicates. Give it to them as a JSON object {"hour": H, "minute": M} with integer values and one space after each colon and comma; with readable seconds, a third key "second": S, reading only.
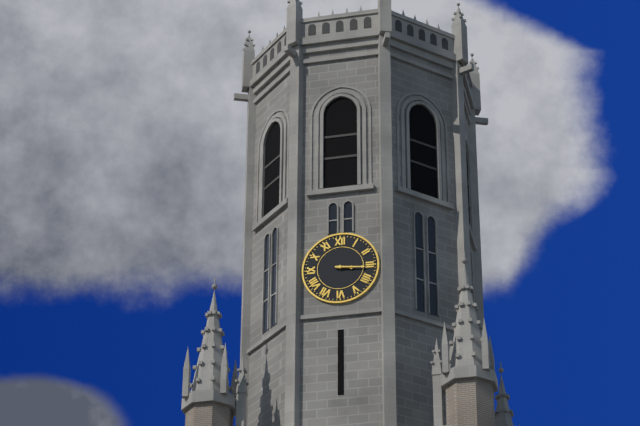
{"hour": 3, "minute": 16}
